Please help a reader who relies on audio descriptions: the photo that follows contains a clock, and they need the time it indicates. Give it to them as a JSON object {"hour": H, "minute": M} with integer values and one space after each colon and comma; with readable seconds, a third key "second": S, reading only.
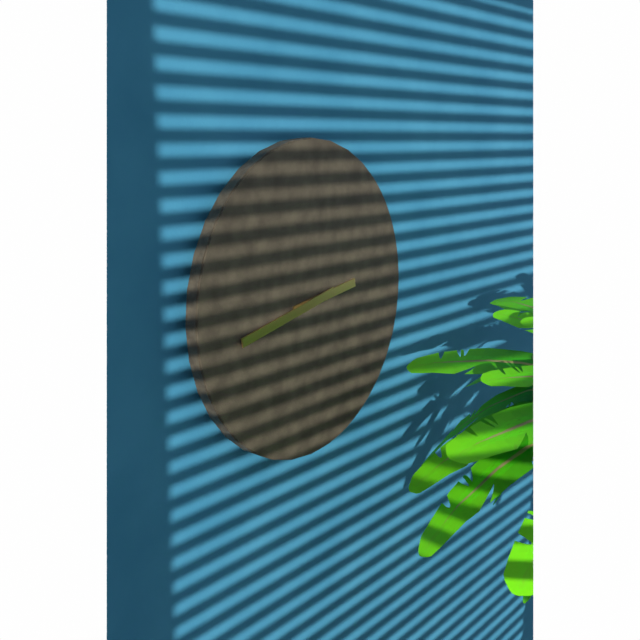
{"hour": 2, "minute": 43}
